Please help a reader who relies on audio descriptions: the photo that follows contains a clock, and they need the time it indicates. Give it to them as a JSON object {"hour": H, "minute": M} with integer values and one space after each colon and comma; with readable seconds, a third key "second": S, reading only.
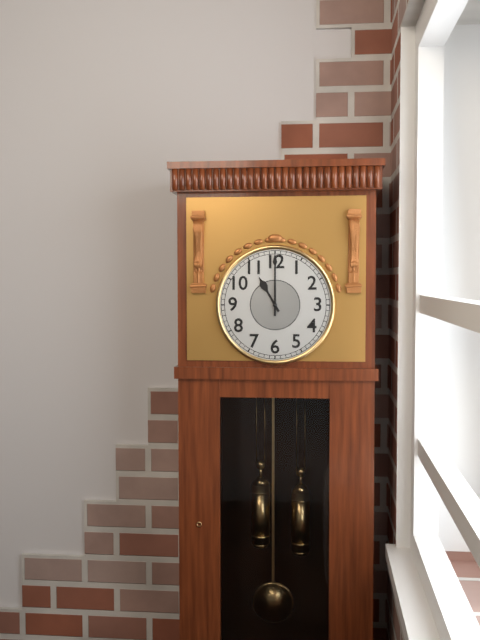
{"hour": 11, "minute": 0}
